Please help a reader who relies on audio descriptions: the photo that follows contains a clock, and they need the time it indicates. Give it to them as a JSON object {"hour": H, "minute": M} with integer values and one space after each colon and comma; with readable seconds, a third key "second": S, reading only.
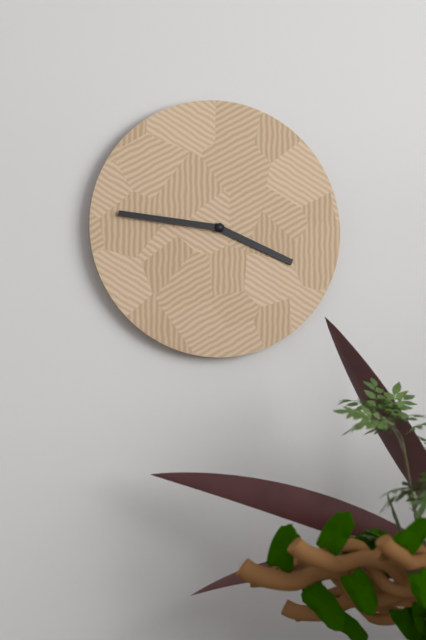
{"hour": 3, "minute": 46}
